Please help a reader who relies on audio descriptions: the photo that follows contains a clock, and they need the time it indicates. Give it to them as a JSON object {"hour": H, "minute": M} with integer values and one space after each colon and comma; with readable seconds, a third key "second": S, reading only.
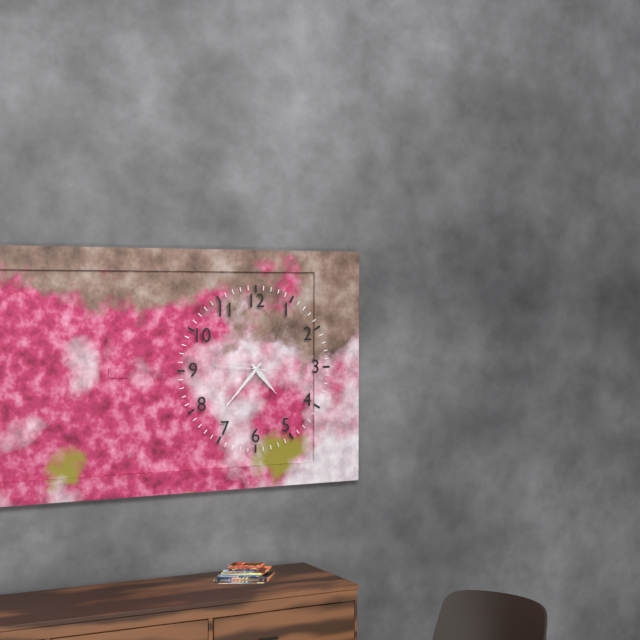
{"hour": 4, "minute": 37, "second": 46}
